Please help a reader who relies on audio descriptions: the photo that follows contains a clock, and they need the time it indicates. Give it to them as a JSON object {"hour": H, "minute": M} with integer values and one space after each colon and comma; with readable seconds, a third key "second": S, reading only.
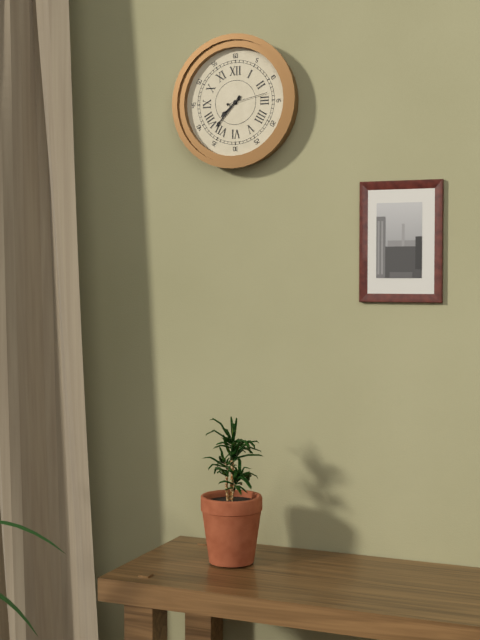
{"hour": 7, "minute": 37}
